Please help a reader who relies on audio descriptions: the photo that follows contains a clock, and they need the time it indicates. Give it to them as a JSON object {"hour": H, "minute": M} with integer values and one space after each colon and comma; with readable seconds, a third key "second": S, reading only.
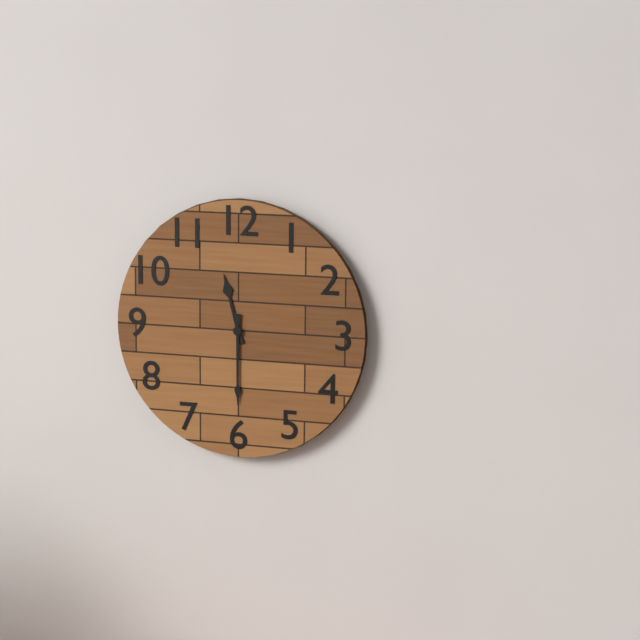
{"hour": 11, "minute": 30}
